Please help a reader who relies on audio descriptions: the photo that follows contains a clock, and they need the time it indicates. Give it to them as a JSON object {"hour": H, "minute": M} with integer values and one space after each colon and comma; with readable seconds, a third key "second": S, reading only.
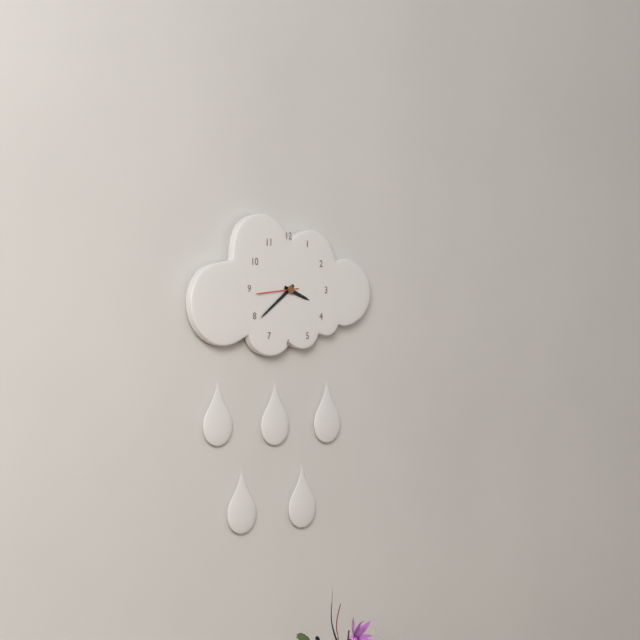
{"hour": 3, "minute": 39}
